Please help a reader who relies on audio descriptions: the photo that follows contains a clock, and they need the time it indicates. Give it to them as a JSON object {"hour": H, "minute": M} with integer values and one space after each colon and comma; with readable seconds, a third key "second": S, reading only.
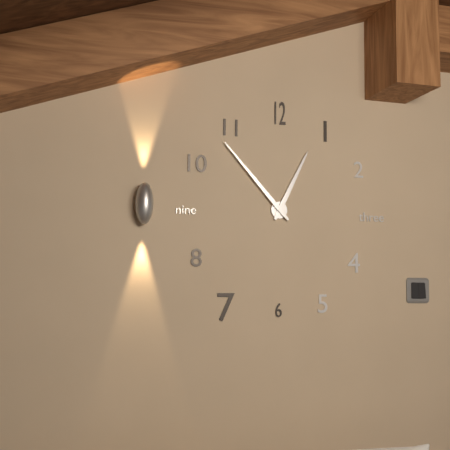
{"hour": 12, "minute": 53}
